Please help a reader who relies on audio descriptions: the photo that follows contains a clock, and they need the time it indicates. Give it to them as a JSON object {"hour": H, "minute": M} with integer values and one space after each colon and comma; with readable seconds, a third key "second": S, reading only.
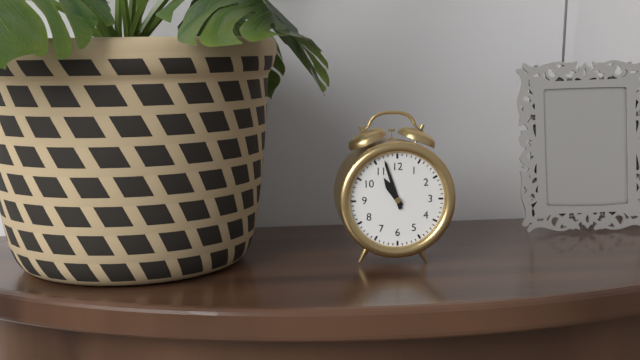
{"hour": 10, "minute": 57}
